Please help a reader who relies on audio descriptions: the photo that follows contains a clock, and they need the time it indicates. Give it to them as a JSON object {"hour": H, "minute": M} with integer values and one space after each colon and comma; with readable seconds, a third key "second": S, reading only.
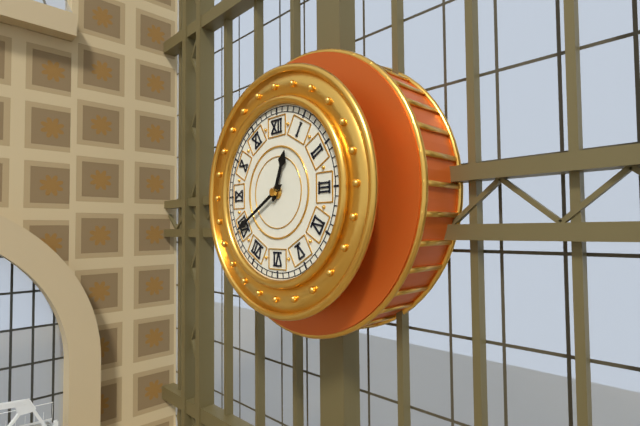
{"hour": 12, "minute": 40}
